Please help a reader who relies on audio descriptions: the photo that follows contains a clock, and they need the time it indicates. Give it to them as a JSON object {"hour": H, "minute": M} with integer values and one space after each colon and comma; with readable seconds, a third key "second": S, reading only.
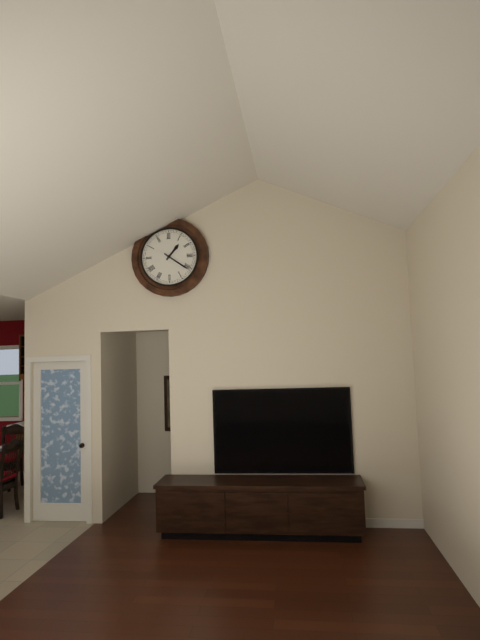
{"hour": 1, "minute": 21}
